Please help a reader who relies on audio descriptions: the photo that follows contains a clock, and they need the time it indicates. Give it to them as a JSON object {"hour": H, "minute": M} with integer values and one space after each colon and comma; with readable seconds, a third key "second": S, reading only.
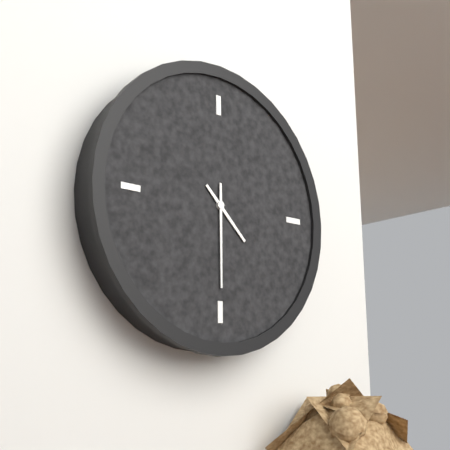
{"hour": 4, "minute": 30}
